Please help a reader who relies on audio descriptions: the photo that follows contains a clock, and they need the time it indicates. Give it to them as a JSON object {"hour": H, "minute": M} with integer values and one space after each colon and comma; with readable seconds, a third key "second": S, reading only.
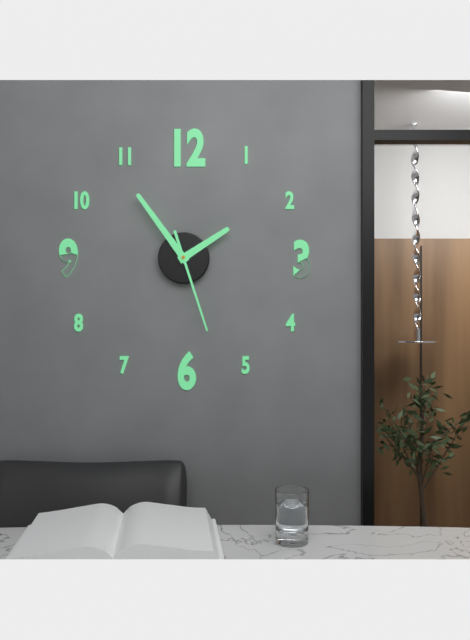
{"hour": 1, "minute": 54, "second": 27}
